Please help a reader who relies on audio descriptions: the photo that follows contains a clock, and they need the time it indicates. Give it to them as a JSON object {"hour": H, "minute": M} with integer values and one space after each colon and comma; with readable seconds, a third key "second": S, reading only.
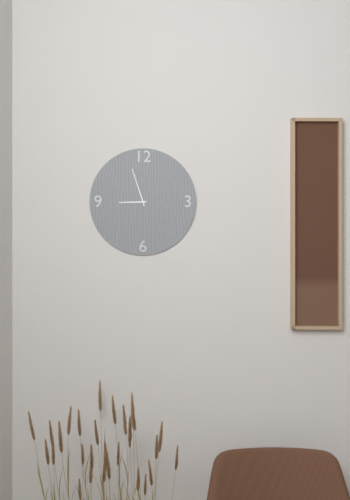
{"hour": 8, "minute": 57}
